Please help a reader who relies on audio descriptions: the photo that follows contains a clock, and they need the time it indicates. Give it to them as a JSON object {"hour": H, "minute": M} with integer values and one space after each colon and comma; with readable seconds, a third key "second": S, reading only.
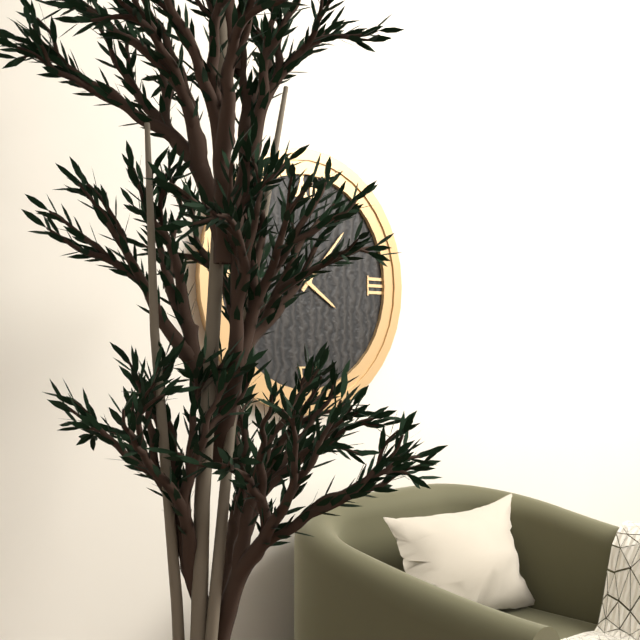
{"hour": 4, "minute": 7}
